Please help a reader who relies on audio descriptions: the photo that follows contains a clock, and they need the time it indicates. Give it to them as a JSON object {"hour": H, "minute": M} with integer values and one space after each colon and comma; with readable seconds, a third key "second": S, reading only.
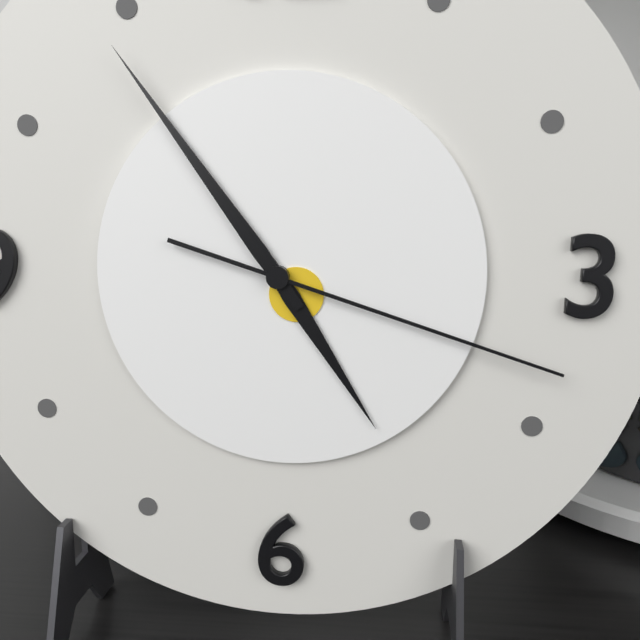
{"hour": 4, "minute": 54, "second": 18}
